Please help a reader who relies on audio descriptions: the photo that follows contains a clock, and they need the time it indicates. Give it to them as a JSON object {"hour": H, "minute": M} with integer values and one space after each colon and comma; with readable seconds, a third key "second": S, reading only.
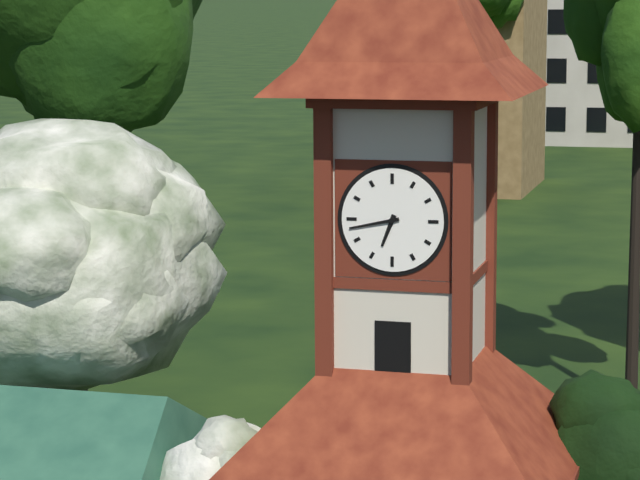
{"hour": 6, "minute": 43}
